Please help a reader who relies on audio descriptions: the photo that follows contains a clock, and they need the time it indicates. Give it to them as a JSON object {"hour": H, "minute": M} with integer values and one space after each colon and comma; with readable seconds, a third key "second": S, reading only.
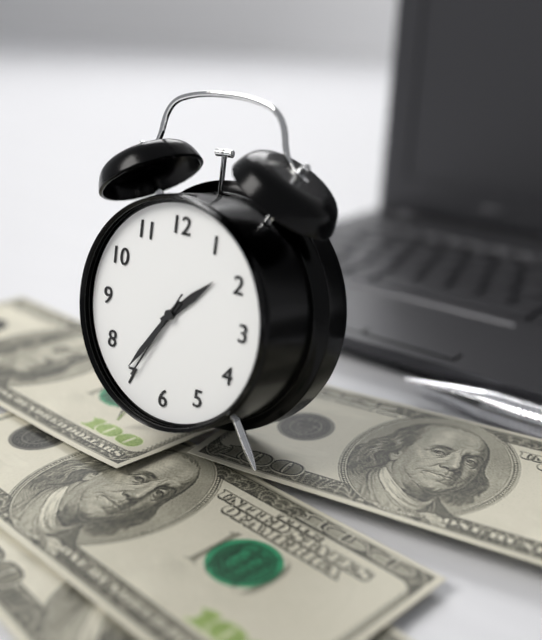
{"hour": 1, "minute": 36, "second": 35}
